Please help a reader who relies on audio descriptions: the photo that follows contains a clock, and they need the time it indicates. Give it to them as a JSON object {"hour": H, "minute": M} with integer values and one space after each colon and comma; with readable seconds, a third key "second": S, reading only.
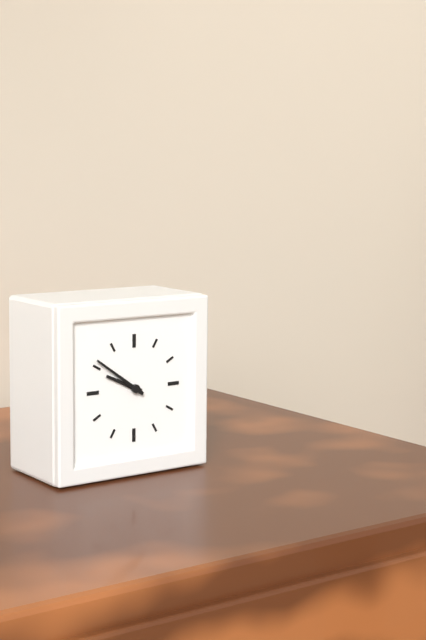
{"hour": 9, "minute": 51}
